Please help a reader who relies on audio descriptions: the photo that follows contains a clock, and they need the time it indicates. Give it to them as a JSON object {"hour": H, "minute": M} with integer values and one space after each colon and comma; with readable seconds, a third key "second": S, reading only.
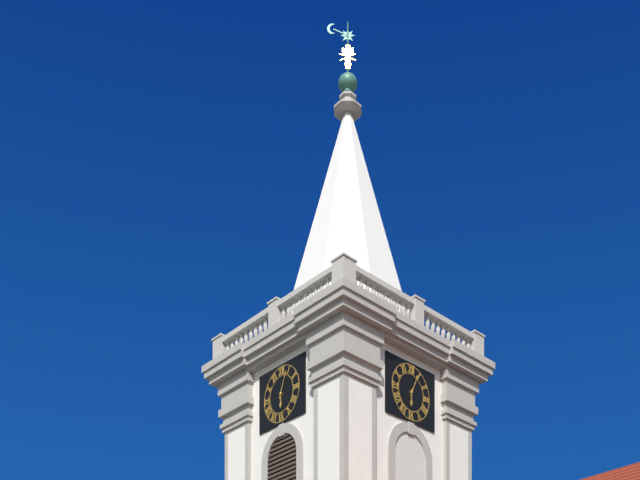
{"hour": 6, "minute": 4}
